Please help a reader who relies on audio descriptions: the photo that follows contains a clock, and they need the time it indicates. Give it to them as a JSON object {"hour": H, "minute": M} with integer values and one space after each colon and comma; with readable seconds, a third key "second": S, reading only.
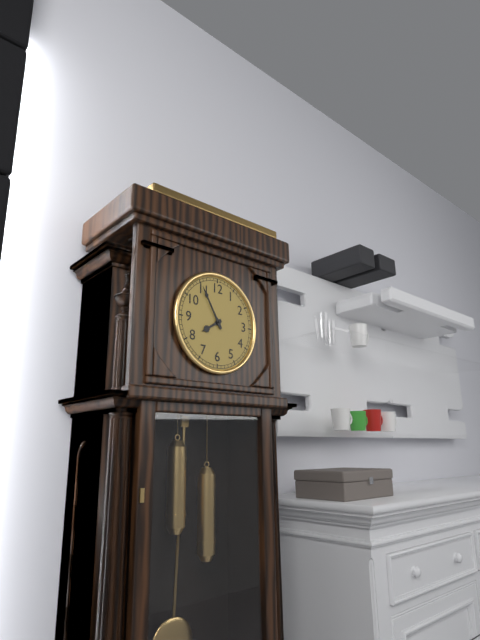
{"hour": 7, "minute": 55}
